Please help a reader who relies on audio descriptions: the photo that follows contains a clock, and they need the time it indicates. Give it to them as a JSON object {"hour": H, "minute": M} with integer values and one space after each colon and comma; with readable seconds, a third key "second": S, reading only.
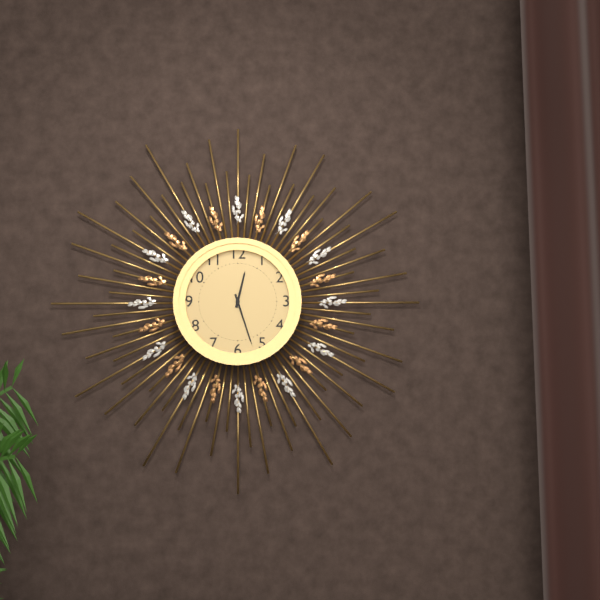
{"hour": 12, "minute": 27}
